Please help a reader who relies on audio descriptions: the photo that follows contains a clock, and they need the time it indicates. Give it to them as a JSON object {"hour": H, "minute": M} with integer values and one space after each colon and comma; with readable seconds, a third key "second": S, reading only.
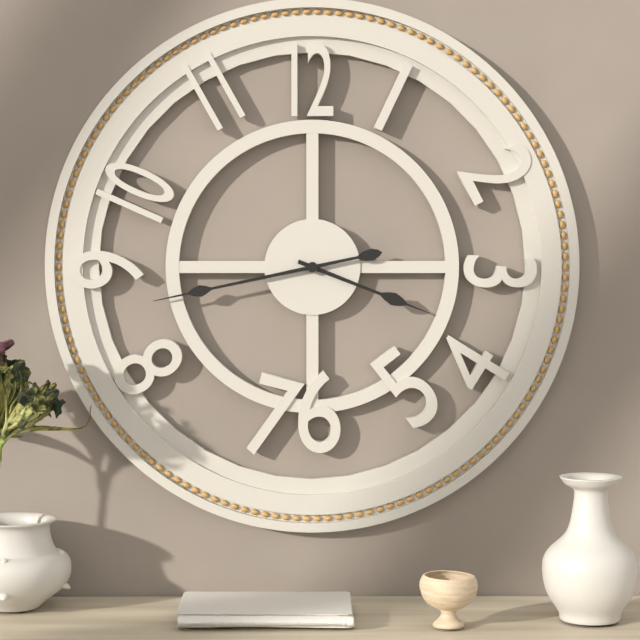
{"hour": 3, "minute": 43}
